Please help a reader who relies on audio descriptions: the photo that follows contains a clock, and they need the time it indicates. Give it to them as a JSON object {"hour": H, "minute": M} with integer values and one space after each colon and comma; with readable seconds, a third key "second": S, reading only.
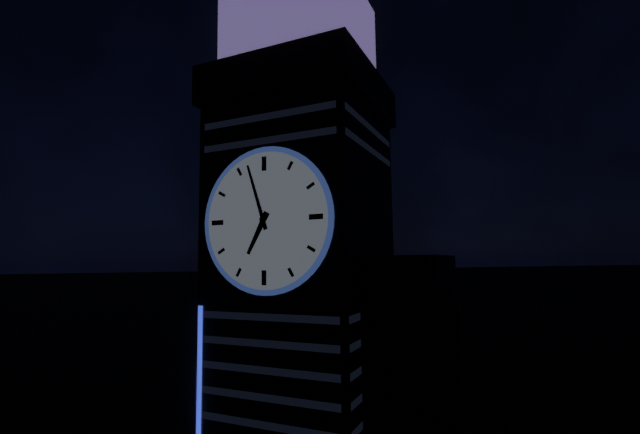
{"hour": 6, "minute": 57}
